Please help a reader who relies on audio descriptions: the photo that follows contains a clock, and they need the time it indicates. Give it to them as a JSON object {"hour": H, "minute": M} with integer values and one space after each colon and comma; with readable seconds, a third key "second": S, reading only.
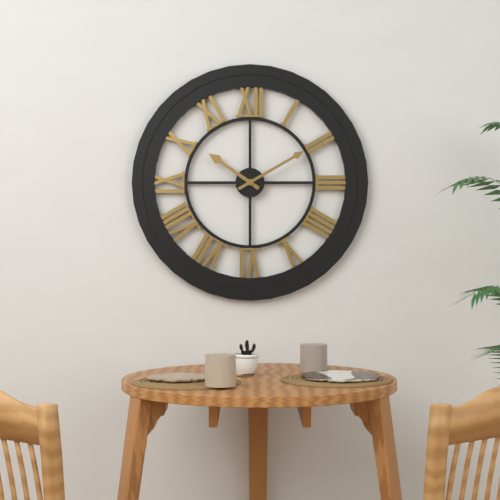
{"hour": 10, "minute": 10}
